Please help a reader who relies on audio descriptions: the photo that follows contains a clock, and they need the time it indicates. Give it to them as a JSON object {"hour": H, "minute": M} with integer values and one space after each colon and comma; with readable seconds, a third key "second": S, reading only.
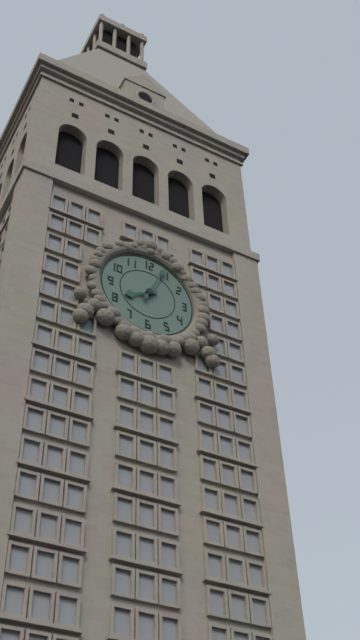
{"hour": 8, "minute": 4}
